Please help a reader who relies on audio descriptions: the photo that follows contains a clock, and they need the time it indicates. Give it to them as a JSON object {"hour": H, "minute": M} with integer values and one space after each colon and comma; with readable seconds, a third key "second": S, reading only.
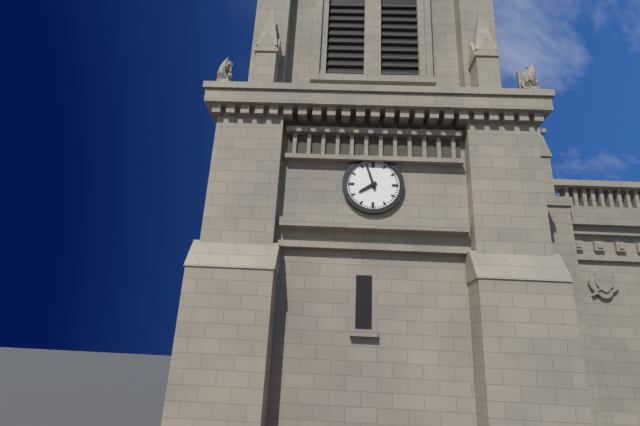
{"hour": 7, "minute": 57}
